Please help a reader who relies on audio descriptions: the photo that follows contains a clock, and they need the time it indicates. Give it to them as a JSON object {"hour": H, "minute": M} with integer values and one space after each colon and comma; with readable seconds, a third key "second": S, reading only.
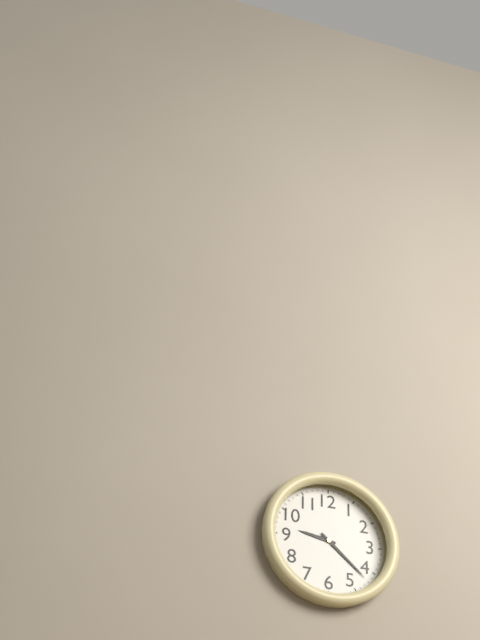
{"hour": 9, "minute": 22}
